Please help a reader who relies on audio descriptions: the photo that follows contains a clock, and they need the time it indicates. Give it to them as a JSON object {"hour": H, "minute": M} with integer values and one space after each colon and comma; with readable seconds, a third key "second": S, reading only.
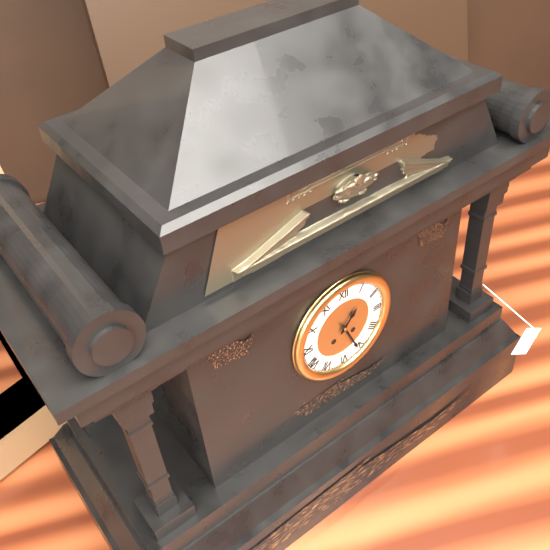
{"hour": 1, "minute": 26}
